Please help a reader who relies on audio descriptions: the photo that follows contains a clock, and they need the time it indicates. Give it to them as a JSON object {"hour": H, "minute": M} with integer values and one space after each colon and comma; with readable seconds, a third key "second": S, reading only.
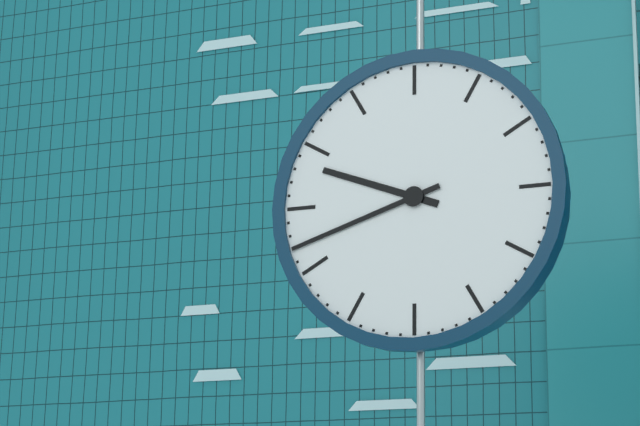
{"hour": 9, "minute": 42}
